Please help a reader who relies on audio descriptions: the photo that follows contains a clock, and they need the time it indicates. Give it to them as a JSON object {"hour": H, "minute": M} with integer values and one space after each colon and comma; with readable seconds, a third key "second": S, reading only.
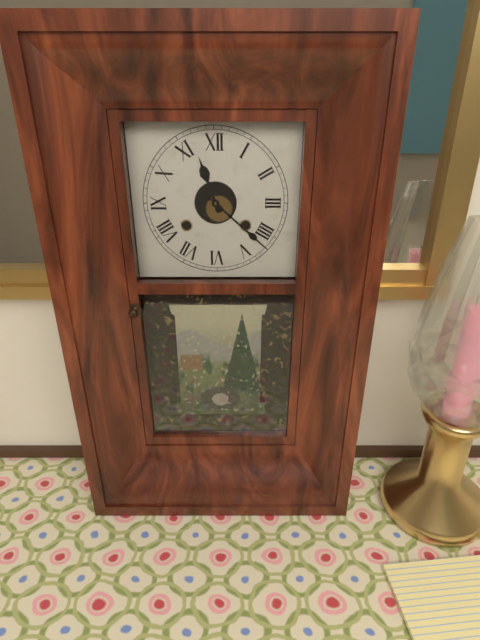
{"hour": 11, "minute": 22}
